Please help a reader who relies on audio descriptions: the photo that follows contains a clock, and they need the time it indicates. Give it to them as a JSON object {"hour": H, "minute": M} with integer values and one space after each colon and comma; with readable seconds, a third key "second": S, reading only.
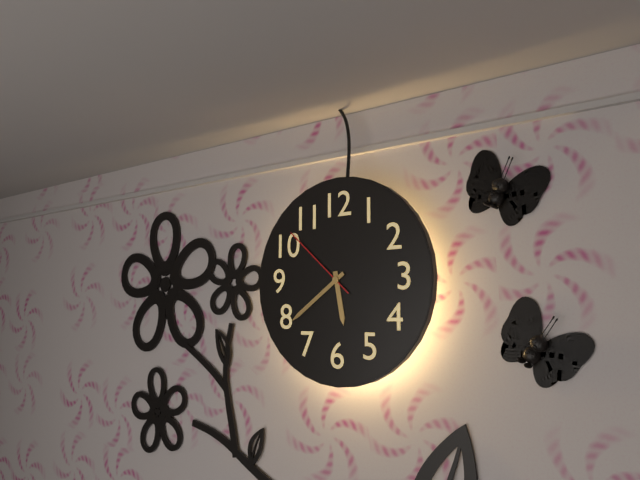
{"hour": 5, "minute": 39, "second": 52}
